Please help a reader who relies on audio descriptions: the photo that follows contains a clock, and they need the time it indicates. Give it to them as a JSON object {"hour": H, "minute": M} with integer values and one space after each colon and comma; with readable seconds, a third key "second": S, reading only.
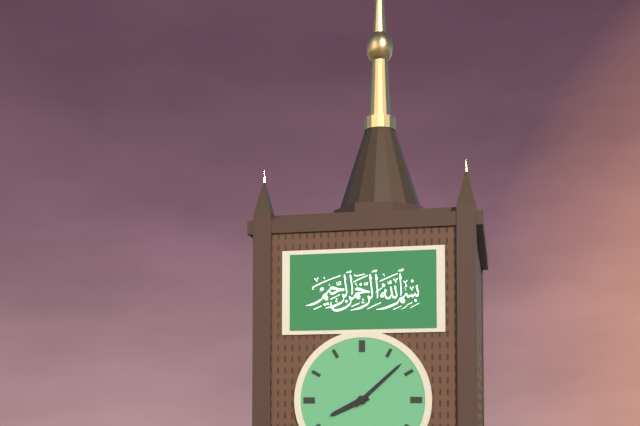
{"hour": 8, "minute": 8}
